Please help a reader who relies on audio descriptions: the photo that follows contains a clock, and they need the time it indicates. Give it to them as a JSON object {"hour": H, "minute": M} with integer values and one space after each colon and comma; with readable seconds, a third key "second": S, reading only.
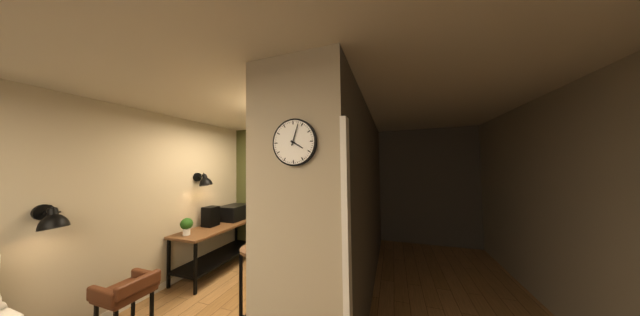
{"hour": 4, "minute": 3}
